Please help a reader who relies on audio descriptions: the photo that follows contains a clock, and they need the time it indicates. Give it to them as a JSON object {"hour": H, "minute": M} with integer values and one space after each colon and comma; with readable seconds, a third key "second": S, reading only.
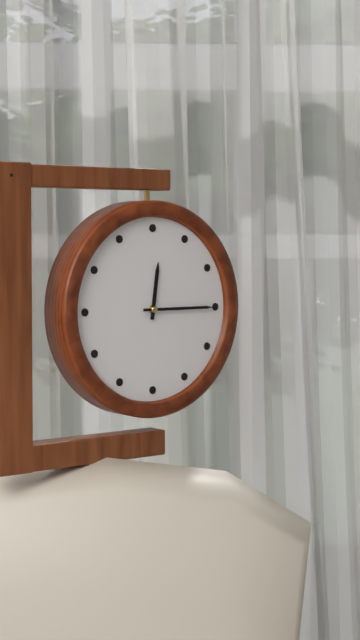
{"hour": 12, "minute": 15}
